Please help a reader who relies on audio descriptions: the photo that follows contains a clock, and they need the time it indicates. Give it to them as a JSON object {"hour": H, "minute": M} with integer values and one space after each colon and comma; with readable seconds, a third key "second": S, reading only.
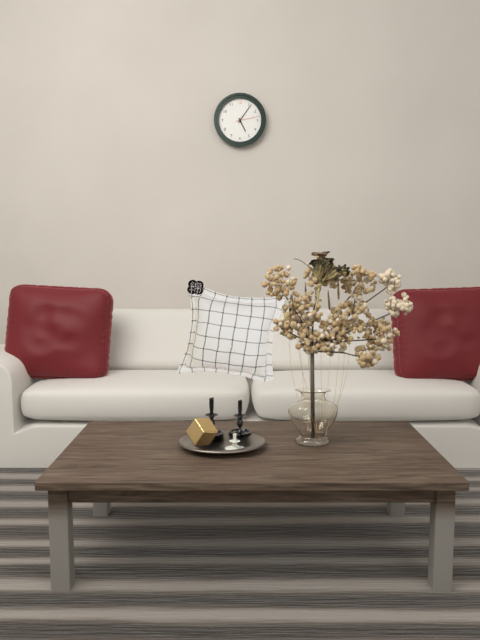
{"hour": 5, "minute": 6}
